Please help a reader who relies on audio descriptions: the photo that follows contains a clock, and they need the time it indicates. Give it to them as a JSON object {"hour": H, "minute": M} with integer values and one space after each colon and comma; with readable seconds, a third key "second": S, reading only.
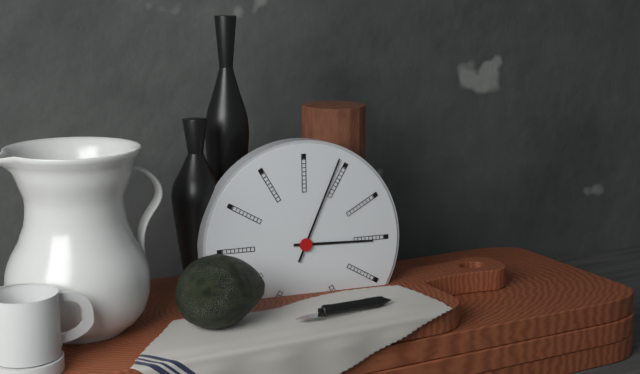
{"hour": 3, "minute": 4}
